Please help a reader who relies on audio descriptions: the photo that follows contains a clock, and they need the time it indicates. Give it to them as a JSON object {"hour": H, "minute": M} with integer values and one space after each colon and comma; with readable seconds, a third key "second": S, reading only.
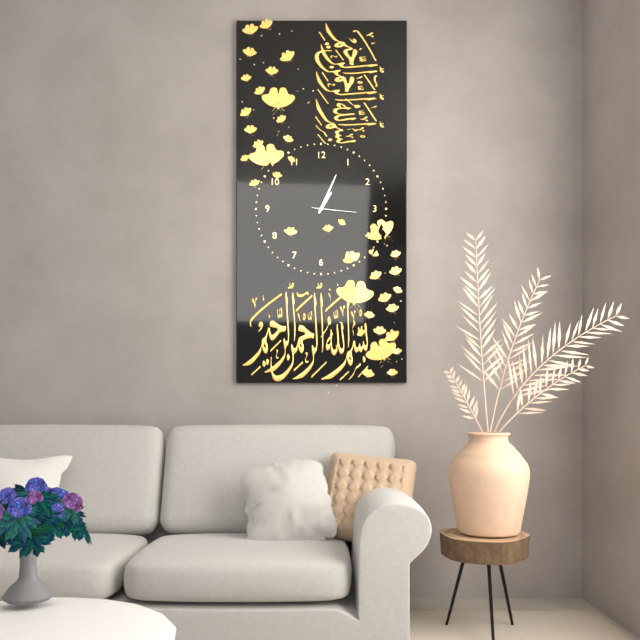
{"hour": 1, "minute": 4}
